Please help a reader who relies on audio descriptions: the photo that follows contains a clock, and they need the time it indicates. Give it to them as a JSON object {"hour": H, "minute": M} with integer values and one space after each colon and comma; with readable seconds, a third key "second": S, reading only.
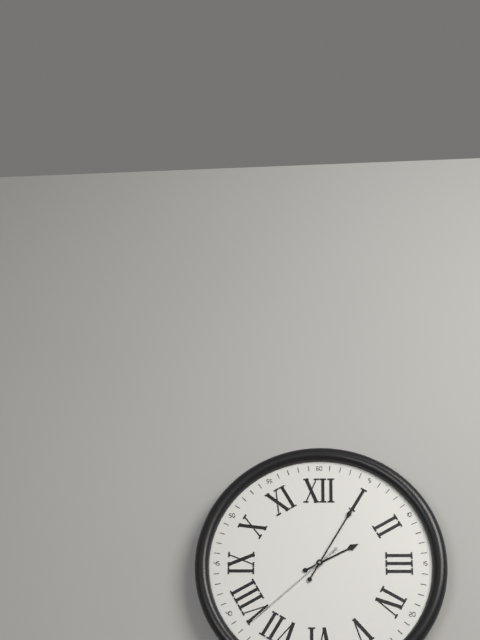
{"hour": 2, "minute": 5, "second": 38}
